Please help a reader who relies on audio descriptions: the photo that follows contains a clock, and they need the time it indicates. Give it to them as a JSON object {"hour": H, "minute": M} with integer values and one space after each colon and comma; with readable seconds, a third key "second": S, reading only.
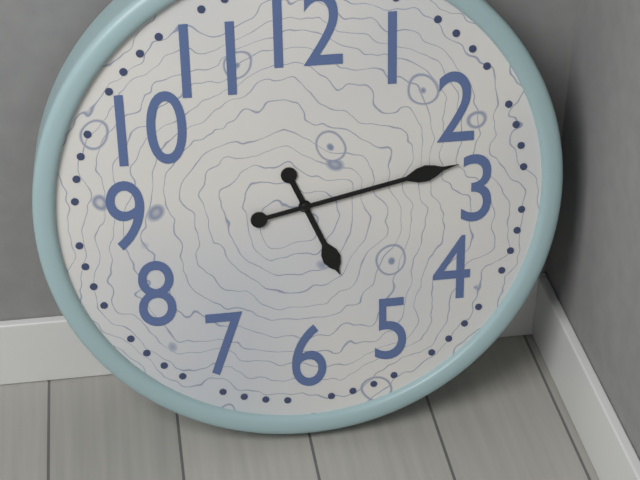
{"hour": 5, "minute": 13}
